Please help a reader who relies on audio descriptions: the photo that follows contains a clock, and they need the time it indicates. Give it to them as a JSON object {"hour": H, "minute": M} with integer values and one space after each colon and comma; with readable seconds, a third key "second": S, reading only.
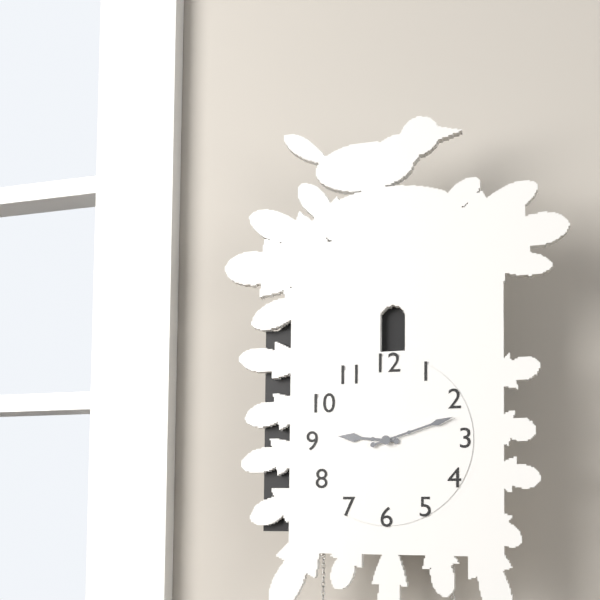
{"hour": 9, "minute": 12}
